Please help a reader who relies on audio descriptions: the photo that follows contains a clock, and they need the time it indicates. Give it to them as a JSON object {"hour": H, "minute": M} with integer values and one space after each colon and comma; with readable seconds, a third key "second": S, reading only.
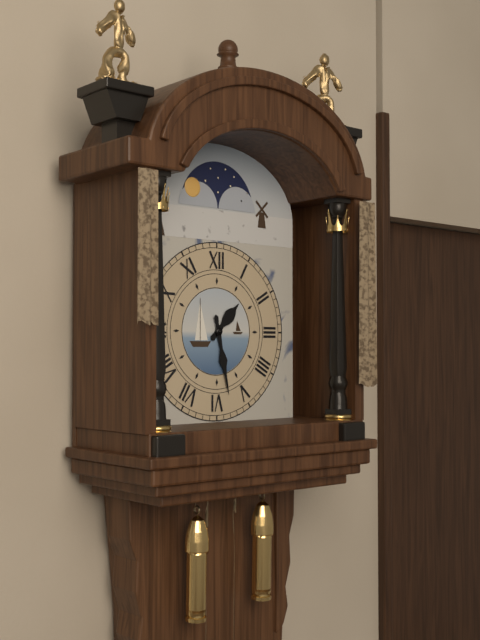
{"hour": 1, "minute": 28}
